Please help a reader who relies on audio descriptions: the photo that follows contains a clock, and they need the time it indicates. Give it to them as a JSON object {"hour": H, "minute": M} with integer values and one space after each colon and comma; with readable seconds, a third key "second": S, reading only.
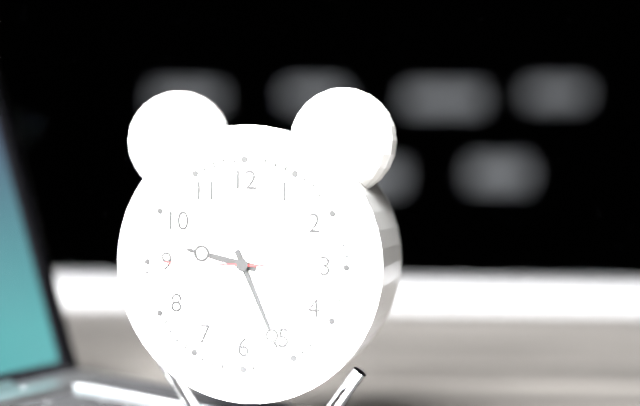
{"hour": 9, "minute": 26, "second": 45}
